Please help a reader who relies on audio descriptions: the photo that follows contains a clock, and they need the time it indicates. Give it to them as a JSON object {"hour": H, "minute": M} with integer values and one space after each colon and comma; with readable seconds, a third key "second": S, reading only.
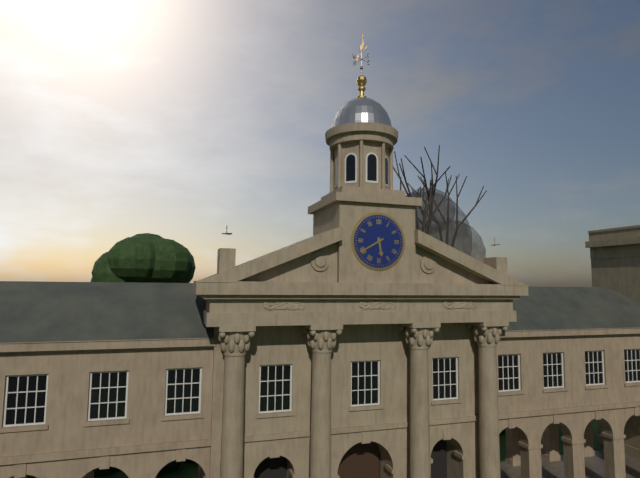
{"hour": 5, "minute": 40}
